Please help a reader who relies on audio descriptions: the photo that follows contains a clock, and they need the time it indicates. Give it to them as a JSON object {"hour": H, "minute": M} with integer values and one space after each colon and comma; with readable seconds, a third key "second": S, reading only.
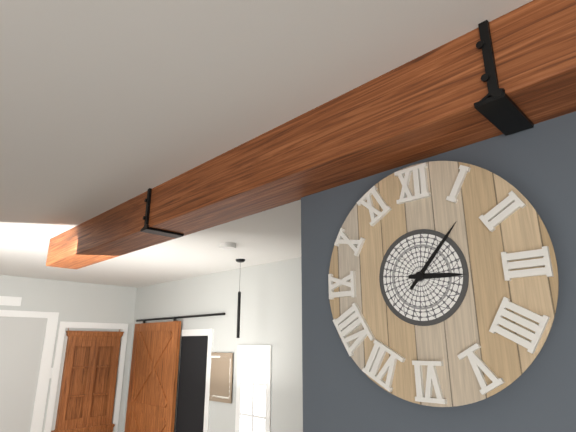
{"hour": 3, "minute": 7}
